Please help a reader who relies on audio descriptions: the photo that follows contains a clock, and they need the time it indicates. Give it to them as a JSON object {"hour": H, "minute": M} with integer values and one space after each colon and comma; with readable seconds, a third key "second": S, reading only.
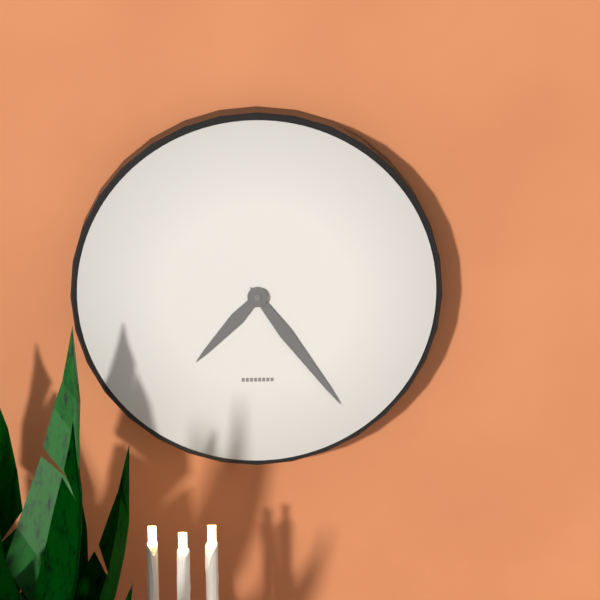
{"hour": 7, "minute": 24}
